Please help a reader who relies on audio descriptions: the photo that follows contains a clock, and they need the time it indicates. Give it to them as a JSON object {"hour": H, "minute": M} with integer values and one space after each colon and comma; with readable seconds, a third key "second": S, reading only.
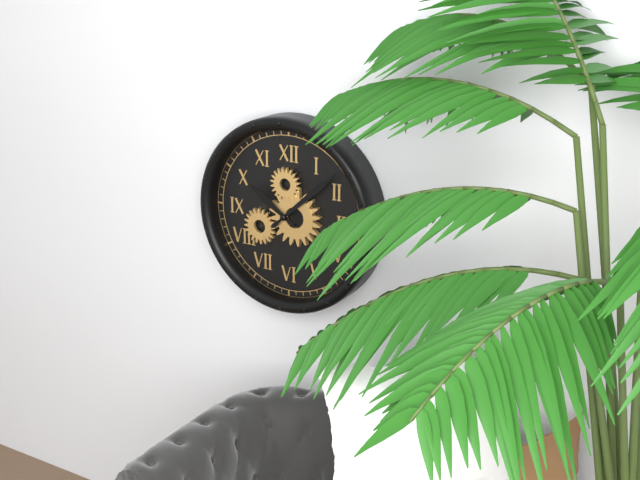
{"hour": 10, "minute": 8}
